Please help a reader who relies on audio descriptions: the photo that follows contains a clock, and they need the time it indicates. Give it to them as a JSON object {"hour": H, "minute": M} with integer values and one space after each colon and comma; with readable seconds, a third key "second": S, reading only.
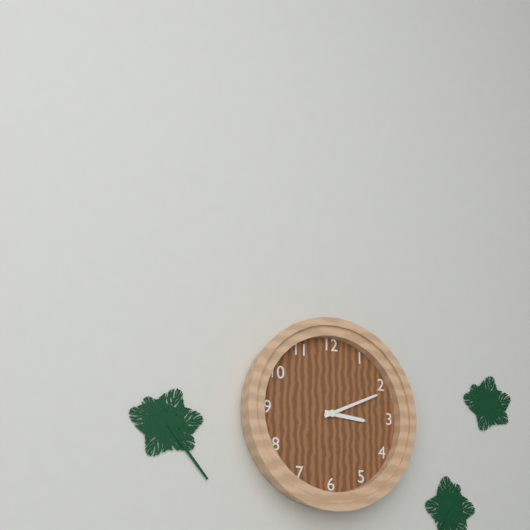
{"hour": 3, "minute": 11}
